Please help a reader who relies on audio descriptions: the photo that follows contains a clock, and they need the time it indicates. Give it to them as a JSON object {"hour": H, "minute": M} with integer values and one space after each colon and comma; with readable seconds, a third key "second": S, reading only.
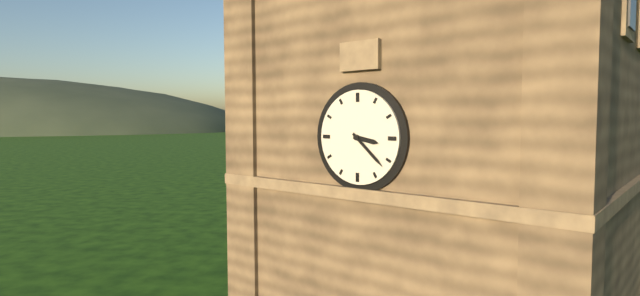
{"hour": 3, "minute": 22}
